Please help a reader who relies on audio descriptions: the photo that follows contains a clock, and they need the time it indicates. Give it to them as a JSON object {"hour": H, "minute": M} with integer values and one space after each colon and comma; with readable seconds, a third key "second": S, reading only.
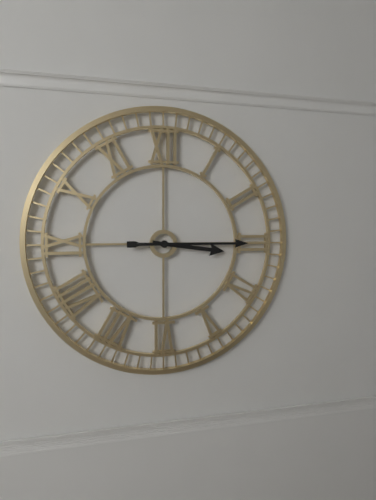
{"hour": 3, "minute": 15}
